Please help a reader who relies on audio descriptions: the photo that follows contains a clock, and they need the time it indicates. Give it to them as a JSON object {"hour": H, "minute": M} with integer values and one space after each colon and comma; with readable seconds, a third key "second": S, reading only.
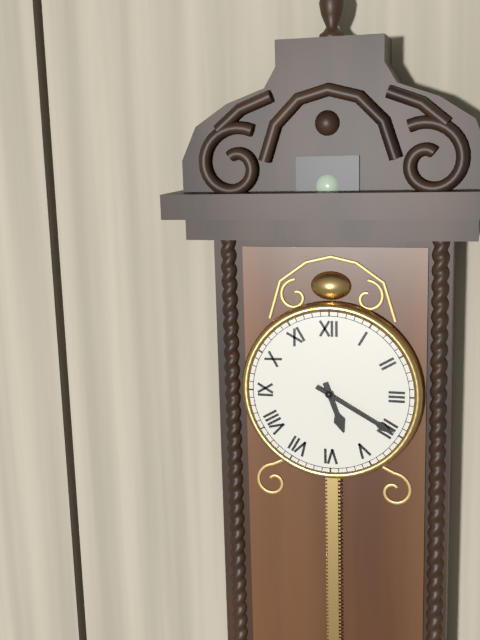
{"hour": 5, "minute": 20}
